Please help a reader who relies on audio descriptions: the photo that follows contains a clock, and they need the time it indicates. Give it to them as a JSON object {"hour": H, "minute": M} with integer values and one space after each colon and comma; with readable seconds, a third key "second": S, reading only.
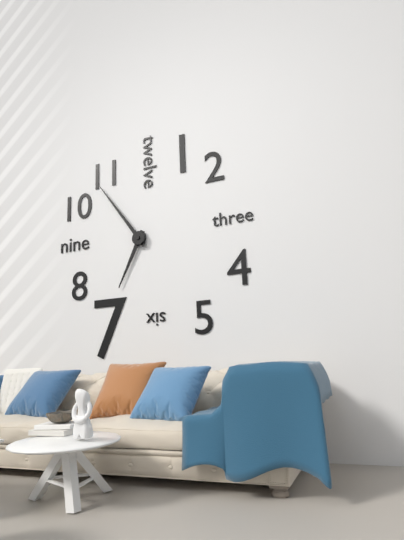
{"hour": 6, "minute": 54}
